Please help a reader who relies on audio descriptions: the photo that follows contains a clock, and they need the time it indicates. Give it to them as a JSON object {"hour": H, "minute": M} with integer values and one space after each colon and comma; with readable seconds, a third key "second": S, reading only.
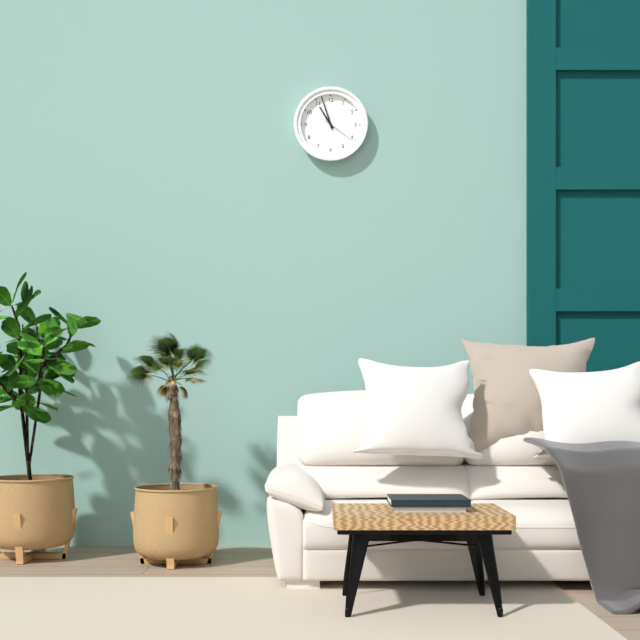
{"hour": 10, "minute": 57}
